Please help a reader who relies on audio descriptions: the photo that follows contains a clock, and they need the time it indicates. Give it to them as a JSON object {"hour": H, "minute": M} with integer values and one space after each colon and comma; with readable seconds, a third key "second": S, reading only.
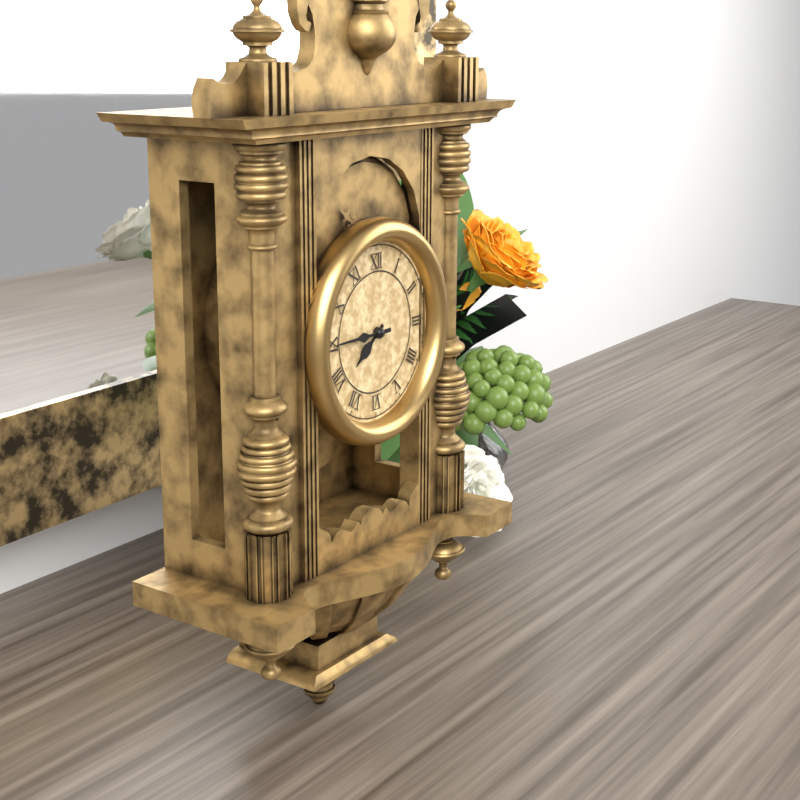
{"hour": 7, "minute": 45}
